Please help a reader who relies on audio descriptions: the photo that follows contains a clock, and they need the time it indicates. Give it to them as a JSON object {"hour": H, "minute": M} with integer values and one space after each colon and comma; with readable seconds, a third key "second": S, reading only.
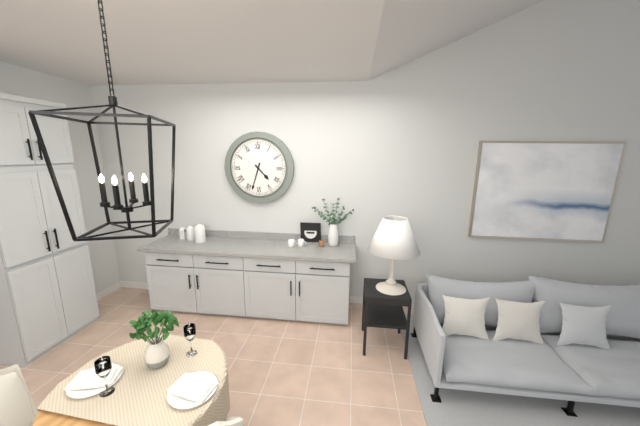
{"hour": 4, "minute": 33}
